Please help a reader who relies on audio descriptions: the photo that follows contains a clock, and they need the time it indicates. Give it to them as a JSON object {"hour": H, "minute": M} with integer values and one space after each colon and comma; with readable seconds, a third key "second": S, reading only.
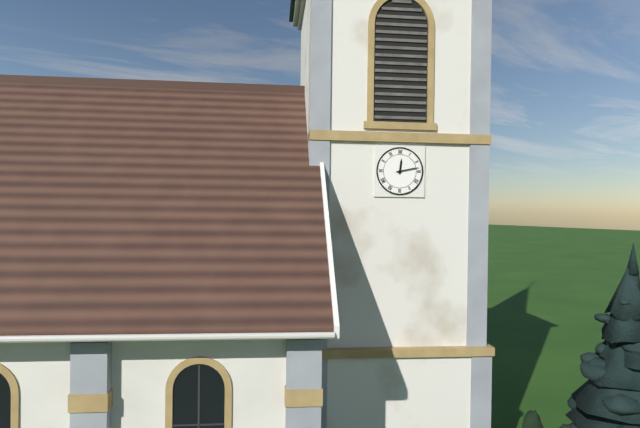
{"hour": 12, "minute": 13}
